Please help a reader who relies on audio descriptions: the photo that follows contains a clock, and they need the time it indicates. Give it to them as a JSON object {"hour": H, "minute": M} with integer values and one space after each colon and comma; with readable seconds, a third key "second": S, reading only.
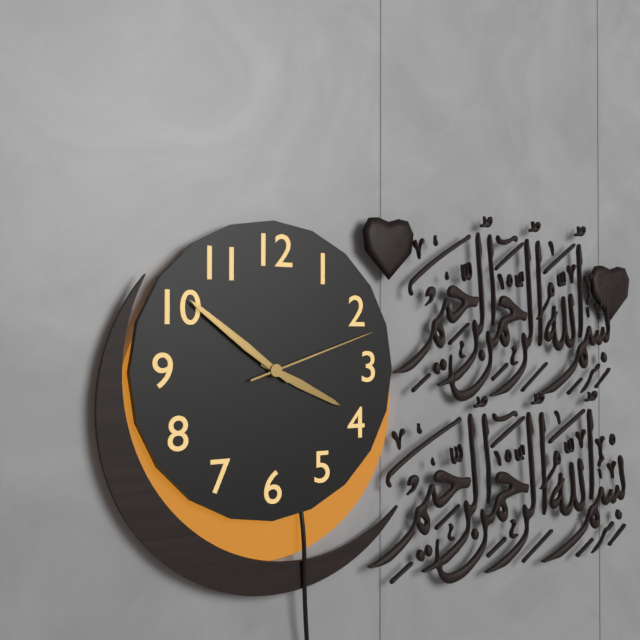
{"hour": 3, "minute": 51, "second": 12}
